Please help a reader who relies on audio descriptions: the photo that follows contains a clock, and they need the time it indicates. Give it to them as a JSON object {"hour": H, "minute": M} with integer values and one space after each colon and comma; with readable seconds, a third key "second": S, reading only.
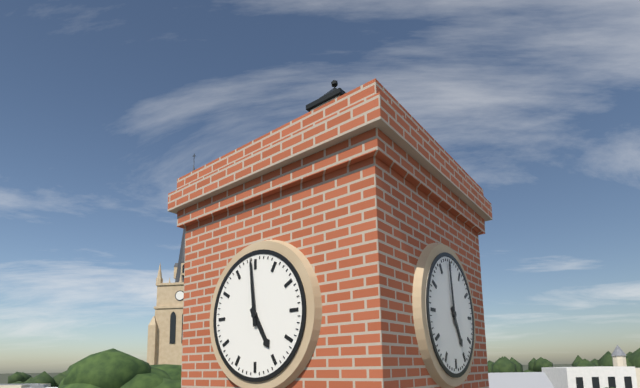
{"hour": 4, "minute": 59}
